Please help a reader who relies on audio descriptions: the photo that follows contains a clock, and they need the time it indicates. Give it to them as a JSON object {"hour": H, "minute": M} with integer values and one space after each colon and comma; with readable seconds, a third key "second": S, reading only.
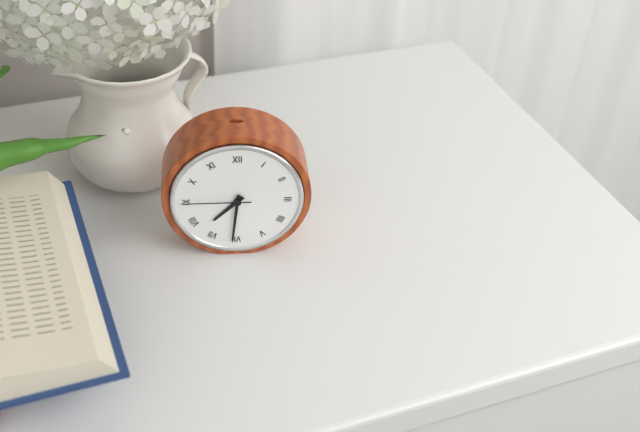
{"hour": 7, "minute": 31, "second": 45}
